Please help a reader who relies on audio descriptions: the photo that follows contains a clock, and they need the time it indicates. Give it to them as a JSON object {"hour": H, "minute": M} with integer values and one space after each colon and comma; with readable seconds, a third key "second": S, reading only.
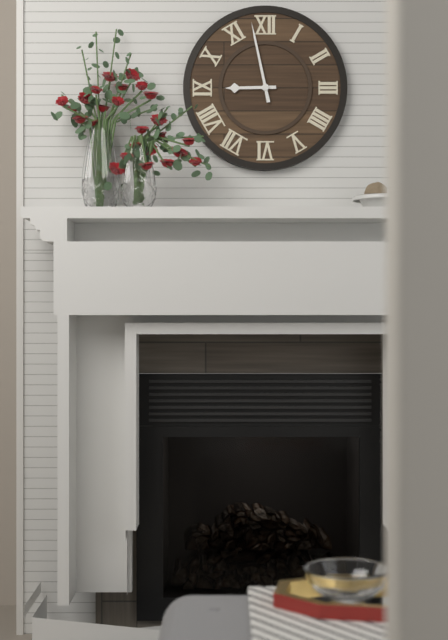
{"hour": 8, "minute": 58}
